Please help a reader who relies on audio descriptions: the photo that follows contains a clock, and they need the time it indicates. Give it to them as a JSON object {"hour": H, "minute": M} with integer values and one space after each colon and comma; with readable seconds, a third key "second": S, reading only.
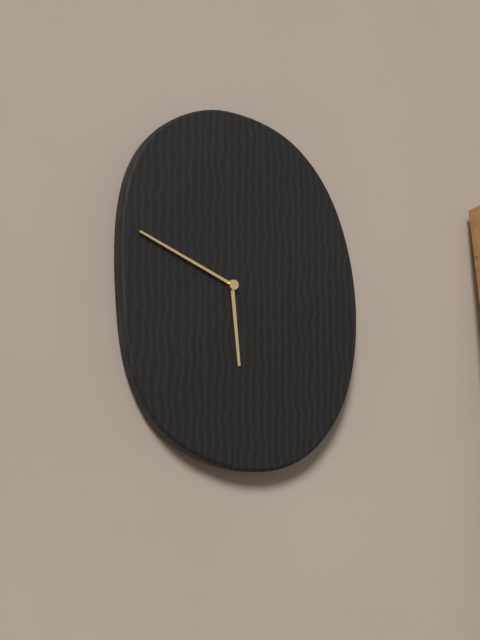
{"hour": 5, "minute": 49}
